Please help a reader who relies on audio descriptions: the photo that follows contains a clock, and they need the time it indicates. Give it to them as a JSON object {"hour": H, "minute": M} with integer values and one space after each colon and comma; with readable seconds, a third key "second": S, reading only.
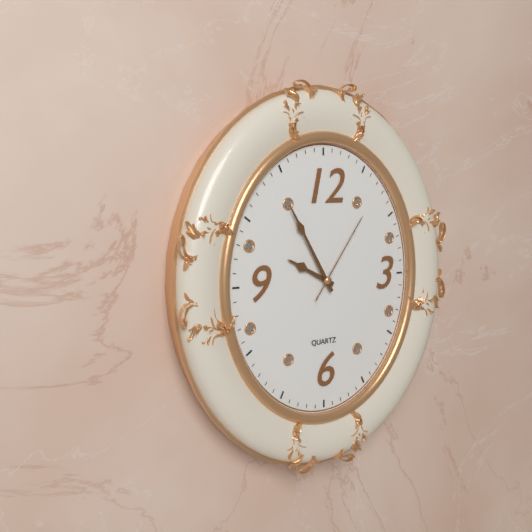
{"hour": 9, "minute": 55, "second": 6}
